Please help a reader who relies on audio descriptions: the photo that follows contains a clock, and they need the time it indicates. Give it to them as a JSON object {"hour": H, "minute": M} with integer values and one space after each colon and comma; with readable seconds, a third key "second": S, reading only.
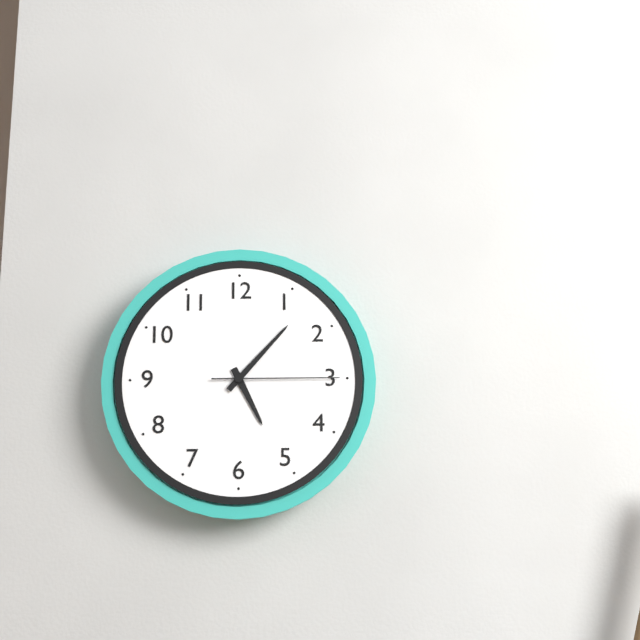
{"hour": 5, "minute": 7, "second": 15}
